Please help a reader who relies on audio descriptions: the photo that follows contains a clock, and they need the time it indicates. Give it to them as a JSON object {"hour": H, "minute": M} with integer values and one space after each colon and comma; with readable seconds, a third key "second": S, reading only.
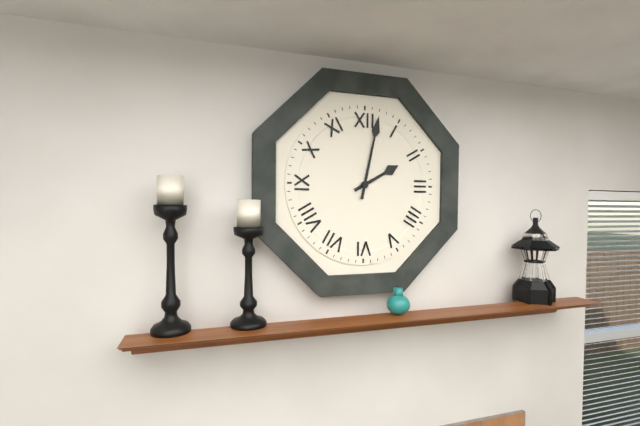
{"hour": 2, "minute": 2}
